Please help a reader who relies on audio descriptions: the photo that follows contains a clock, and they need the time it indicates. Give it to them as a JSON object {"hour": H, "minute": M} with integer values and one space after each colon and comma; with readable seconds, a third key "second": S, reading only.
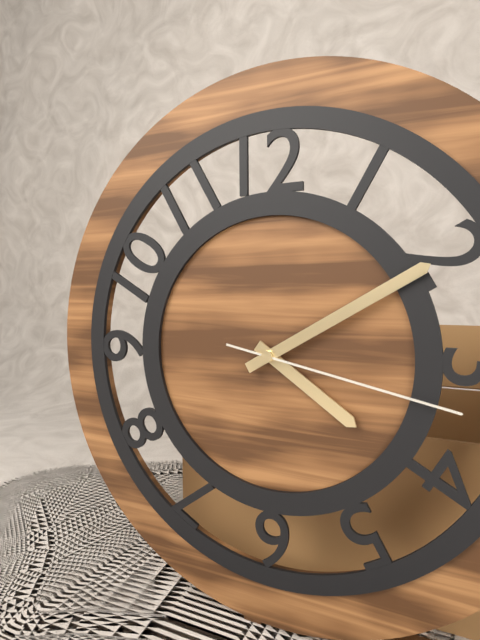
{"hour": 4, "minute": 10, "second": 17}
